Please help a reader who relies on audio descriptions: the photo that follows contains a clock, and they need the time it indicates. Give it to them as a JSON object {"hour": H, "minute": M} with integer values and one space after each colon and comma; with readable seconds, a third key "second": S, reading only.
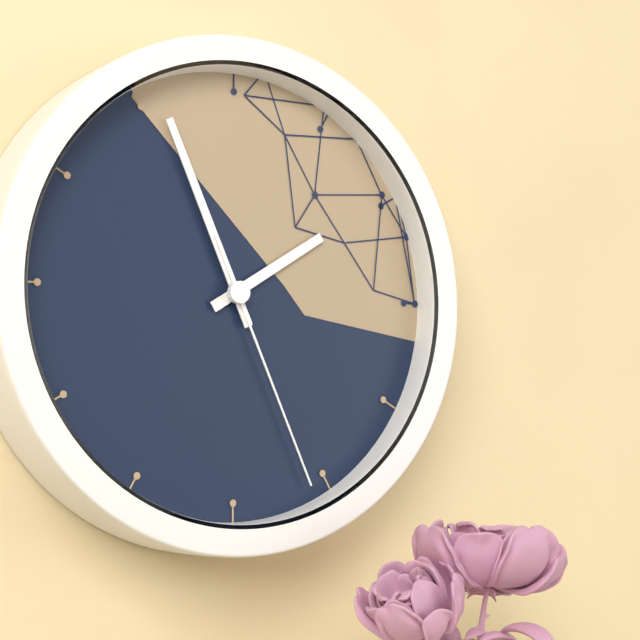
{"hour": 1, "minute": 56, "second": 26}
